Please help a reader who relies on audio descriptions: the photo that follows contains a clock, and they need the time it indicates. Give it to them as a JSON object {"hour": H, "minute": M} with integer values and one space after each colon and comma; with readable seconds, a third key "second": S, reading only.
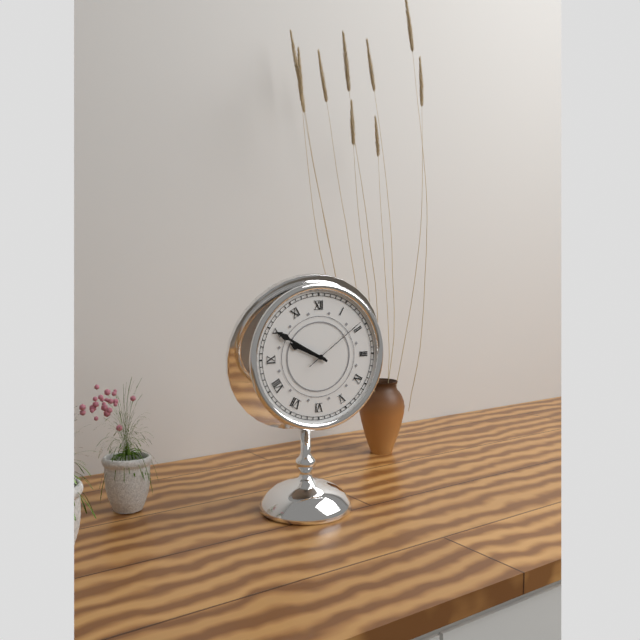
{"hour": 9, "minute": 50, "second": 9}
